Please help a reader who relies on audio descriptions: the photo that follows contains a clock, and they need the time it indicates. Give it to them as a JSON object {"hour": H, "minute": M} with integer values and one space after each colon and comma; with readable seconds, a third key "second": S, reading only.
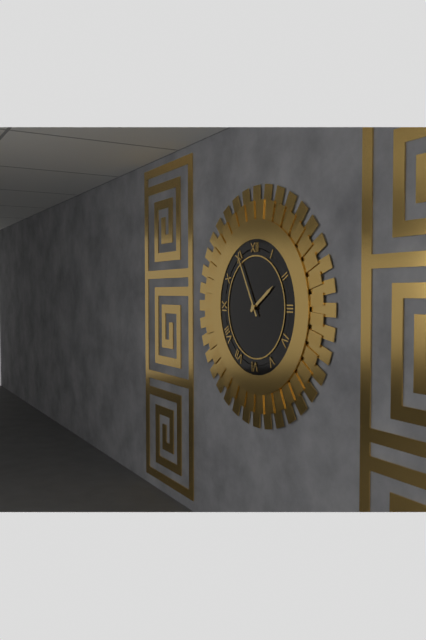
{"hour": 1, "minute": 55}
